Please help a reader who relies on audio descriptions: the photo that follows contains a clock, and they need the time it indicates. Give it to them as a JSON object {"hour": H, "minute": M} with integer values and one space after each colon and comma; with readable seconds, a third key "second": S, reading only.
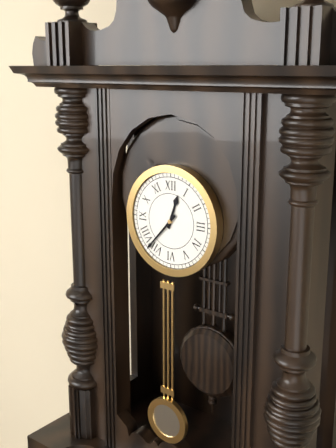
{"hour": 12, "minute": 37}
